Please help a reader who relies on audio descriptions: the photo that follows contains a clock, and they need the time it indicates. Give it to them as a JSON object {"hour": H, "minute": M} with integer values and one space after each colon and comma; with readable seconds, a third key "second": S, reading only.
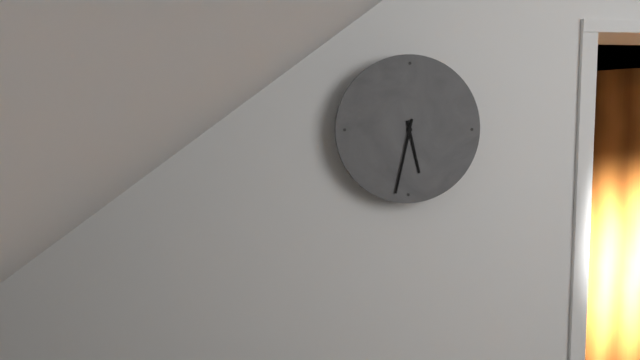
{"hour": 5, "minute": 32}
